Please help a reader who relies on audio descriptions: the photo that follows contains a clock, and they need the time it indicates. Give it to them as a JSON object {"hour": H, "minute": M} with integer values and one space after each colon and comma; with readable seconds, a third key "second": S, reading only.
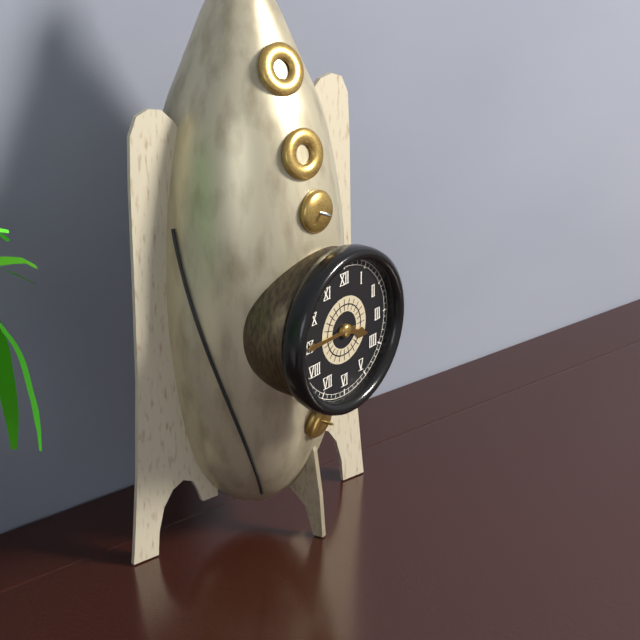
{"hour": 3, "minute": 45}
